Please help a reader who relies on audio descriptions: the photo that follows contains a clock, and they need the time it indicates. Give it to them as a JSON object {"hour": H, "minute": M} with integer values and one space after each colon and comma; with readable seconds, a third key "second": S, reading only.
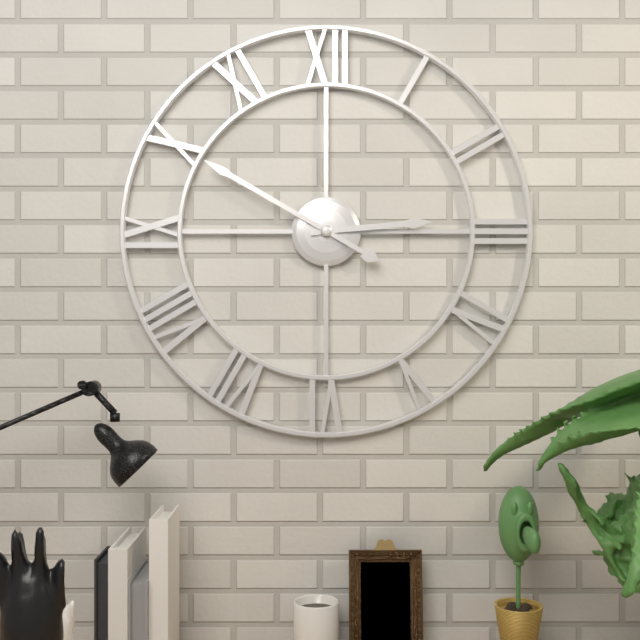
{"hour": 2, "minute": 50}
